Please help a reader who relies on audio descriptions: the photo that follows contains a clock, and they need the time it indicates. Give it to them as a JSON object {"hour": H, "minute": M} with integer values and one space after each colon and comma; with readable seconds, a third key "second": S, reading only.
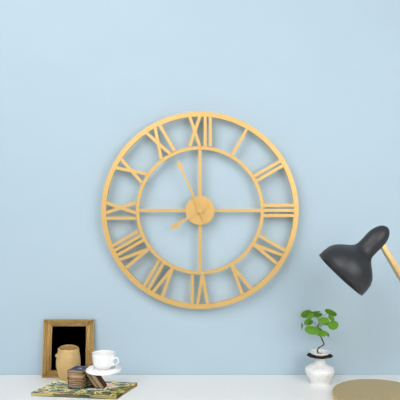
{"hour": 7, "minute": 56}
